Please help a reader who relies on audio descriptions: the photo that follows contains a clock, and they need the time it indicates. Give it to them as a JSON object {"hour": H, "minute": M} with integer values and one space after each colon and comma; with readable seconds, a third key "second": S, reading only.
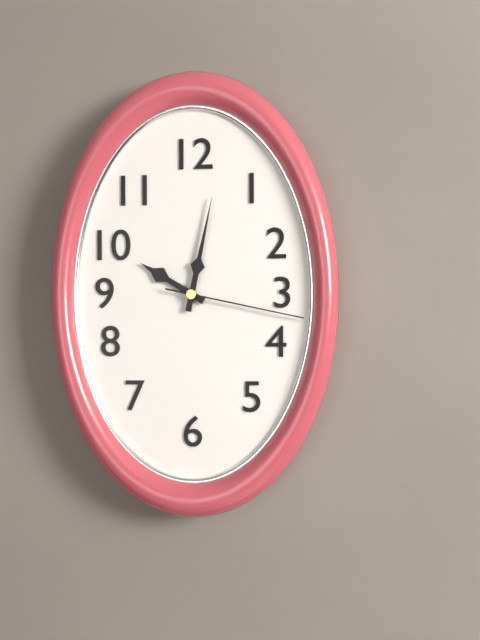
{"hour": 10, "minute": 2, "second": 17}
